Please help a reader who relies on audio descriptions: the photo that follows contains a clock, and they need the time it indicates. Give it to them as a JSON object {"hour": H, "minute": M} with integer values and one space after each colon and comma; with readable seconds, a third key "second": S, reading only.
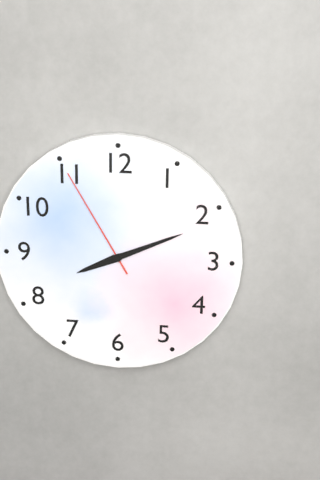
{"hour": 8, "minute": 11, "second": 55}
